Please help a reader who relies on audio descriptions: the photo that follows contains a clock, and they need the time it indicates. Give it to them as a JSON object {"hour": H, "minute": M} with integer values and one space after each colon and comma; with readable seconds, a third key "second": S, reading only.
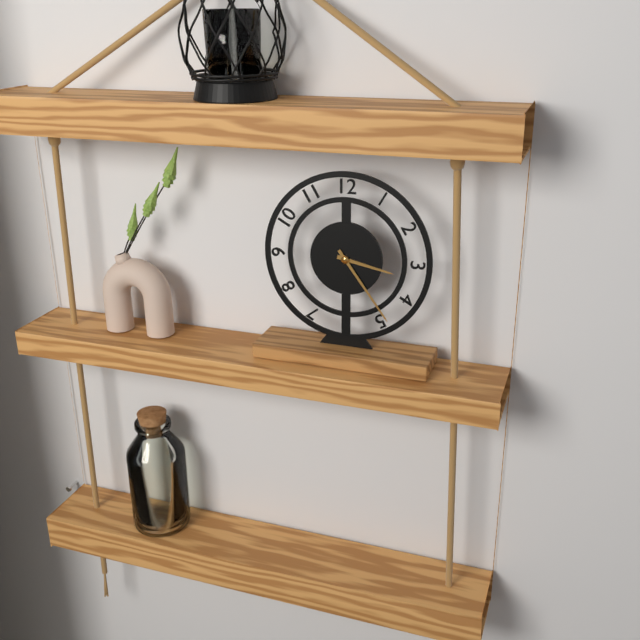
{"hour": 3, "minute": 24}
